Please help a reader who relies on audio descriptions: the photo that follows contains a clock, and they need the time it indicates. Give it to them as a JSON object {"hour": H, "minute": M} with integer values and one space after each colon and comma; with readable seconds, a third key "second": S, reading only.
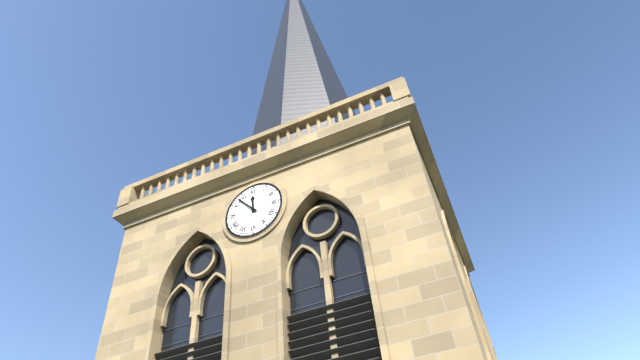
{"hour": 11, "minute": 53}
